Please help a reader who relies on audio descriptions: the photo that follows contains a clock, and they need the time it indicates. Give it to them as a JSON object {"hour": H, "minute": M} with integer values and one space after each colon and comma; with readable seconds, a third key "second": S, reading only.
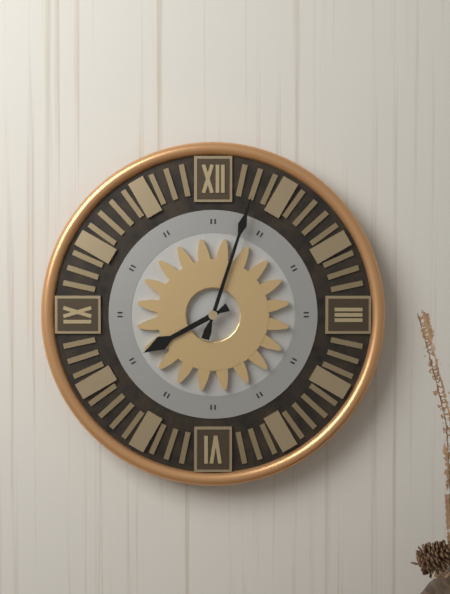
{"hour": 8, "minute": 3}
